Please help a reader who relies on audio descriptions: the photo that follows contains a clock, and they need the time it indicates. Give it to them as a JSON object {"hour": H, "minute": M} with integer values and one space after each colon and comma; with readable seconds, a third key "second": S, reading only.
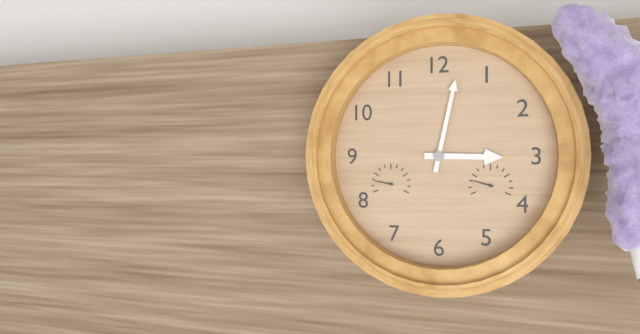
{"hour": 3, "minute": 2}
